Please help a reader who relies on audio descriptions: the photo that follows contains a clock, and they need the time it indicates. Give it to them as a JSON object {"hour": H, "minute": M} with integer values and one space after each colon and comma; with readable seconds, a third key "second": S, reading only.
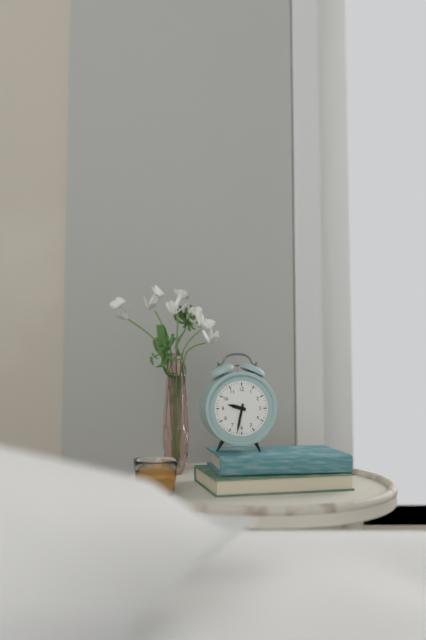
{"hour": 9, "minute": 32}
